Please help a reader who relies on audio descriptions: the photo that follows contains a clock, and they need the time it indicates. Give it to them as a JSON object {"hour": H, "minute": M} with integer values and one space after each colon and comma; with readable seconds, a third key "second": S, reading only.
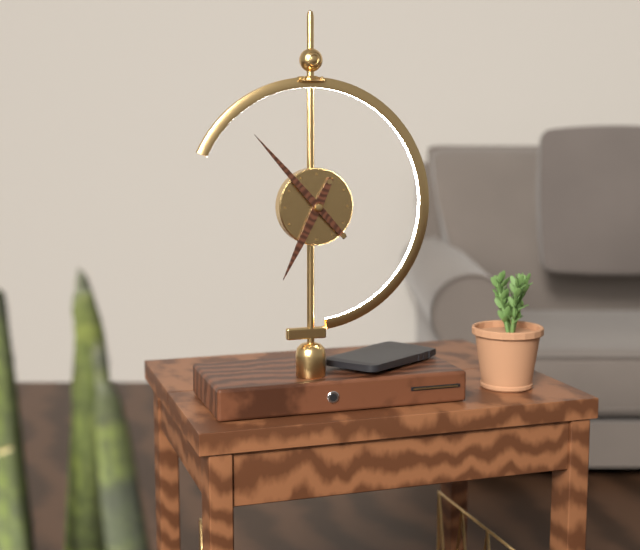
{"hour": 6, "minute": 53}
